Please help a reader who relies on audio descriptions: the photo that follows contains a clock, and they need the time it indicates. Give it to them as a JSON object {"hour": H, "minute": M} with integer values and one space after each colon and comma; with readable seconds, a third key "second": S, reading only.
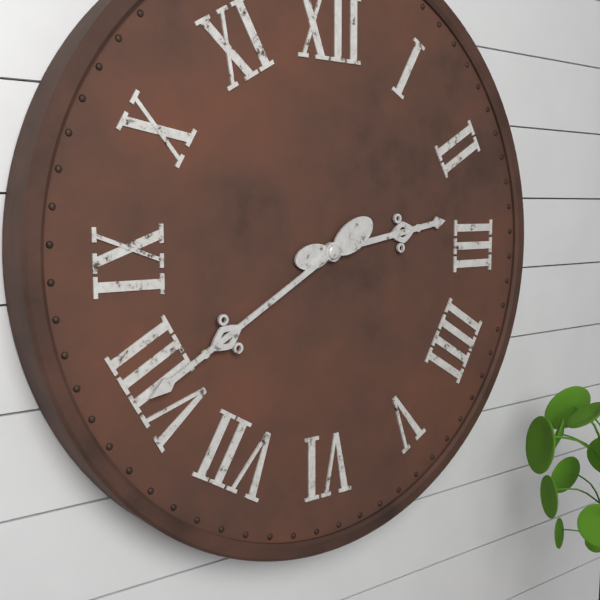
{"hour": 2, "minute": 40}
